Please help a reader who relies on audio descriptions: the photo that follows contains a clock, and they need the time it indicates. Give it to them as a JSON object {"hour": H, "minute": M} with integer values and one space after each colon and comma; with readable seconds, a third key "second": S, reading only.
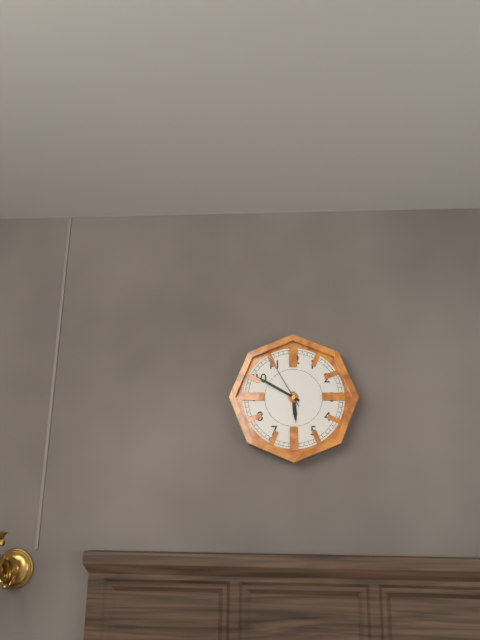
{"hour": 5, "minute": 50, "second": 55}
